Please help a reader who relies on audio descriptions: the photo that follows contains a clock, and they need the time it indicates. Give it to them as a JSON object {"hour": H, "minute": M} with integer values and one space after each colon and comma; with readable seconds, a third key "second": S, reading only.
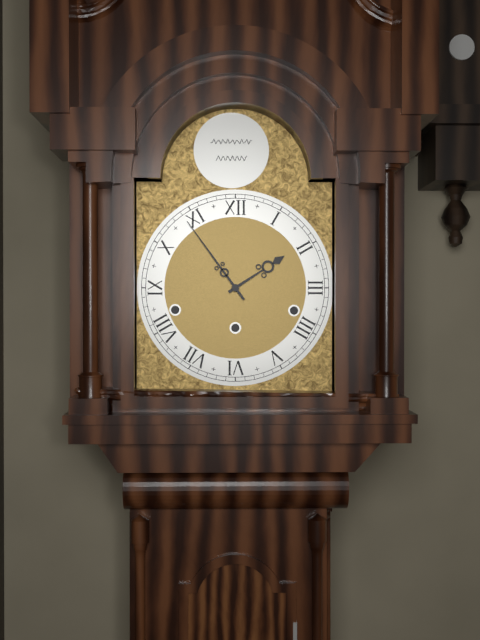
{"hour": 1, "minute": 54}
